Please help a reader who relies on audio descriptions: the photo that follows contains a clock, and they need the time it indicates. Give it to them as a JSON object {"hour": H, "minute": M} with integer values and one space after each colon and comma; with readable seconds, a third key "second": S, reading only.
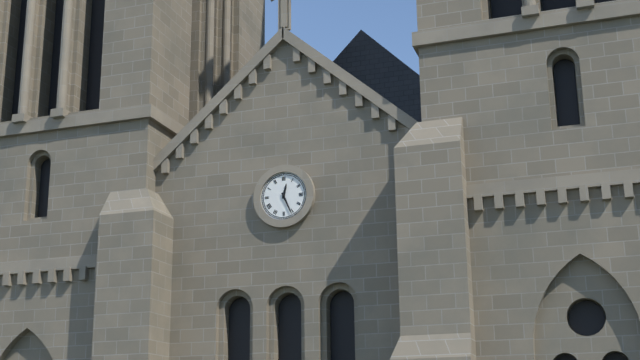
{"hour": 12, "minute": 26}
